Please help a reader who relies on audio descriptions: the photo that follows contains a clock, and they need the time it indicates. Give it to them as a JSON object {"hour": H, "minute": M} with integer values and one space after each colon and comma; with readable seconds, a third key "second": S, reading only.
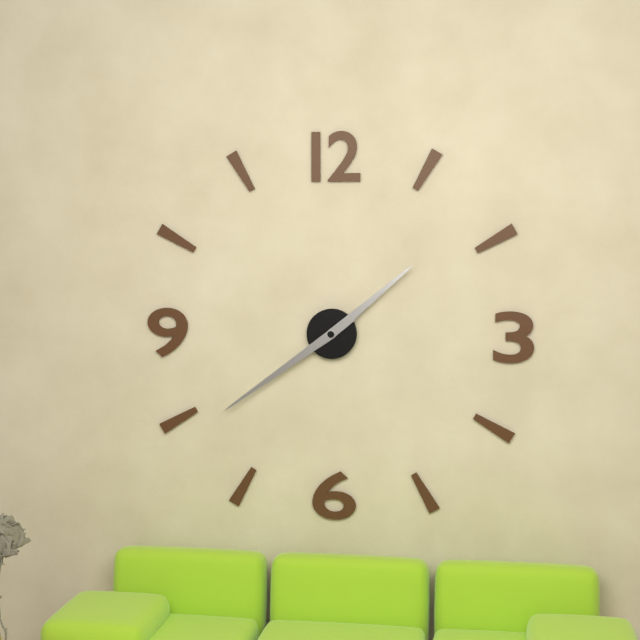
{"hour": 1, "minute": 39}
